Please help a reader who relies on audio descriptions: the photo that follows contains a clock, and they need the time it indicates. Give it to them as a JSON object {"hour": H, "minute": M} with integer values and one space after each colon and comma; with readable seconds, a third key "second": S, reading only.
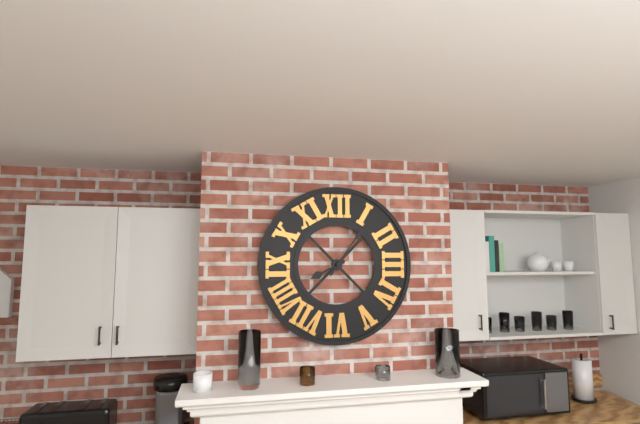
{"hour": 8, "minute": 6}
